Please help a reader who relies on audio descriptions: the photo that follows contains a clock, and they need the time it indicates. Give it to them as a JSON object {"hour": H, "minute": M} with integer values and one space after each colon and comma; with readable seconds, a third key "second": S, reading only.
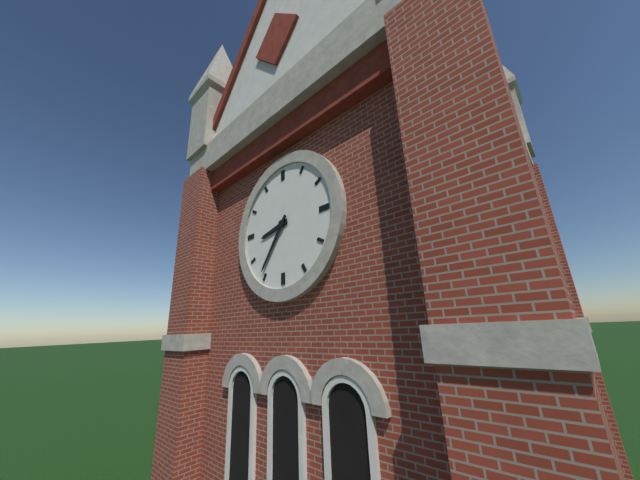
{"hour": 8, "minute": 36}
